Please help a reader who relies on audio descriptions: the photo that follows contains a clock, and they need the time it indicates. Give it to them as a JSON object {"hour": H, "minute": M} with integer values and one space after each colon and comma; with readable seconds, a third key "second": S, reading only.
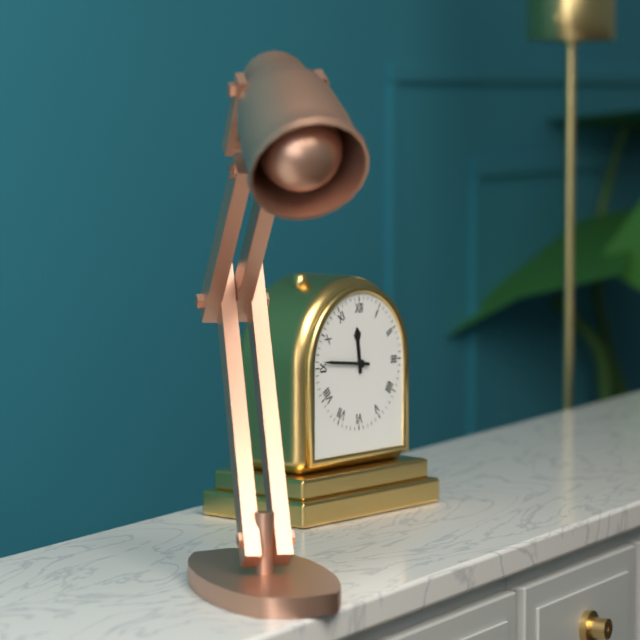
{"hour": 11, "minute": 46}
